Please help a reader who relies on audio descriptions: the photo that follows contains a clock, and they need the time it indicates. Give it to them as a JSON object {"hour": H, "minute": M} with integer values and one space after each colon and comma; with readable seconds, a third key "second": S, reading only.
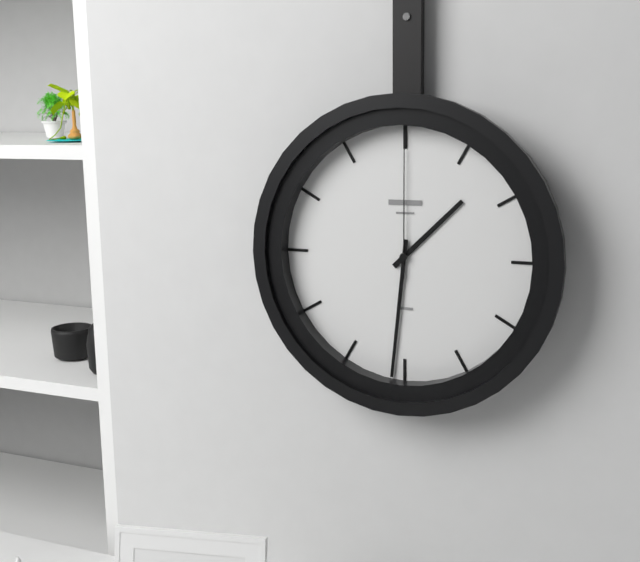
{"hour": 1, "minute": 31, "second": 0}
